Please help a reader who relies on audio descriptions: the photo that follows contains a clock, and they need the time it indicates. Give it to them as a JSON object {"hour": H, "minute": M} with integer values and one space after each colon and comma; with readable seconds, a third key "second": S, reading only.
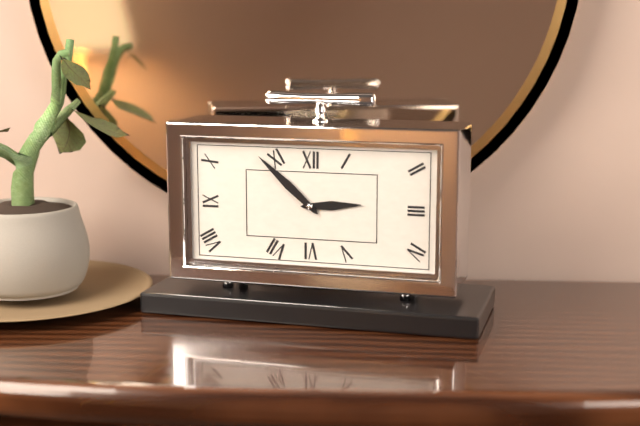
{"hour": 2, "minute": 52}
